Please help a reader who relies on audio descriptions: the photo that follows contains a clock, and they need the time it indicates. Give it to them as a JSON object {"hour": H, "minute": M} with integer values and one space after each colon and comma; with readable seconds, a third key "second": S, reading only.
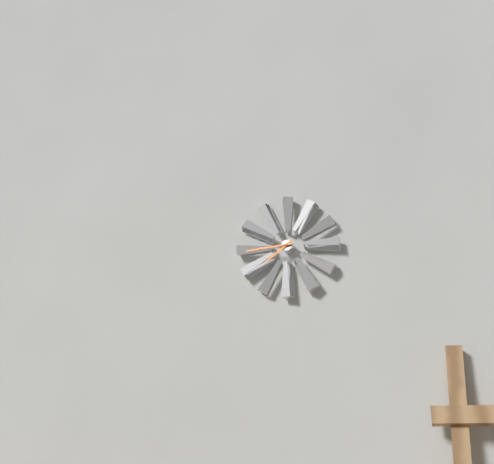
{"hour": 7, "minute": 44}
